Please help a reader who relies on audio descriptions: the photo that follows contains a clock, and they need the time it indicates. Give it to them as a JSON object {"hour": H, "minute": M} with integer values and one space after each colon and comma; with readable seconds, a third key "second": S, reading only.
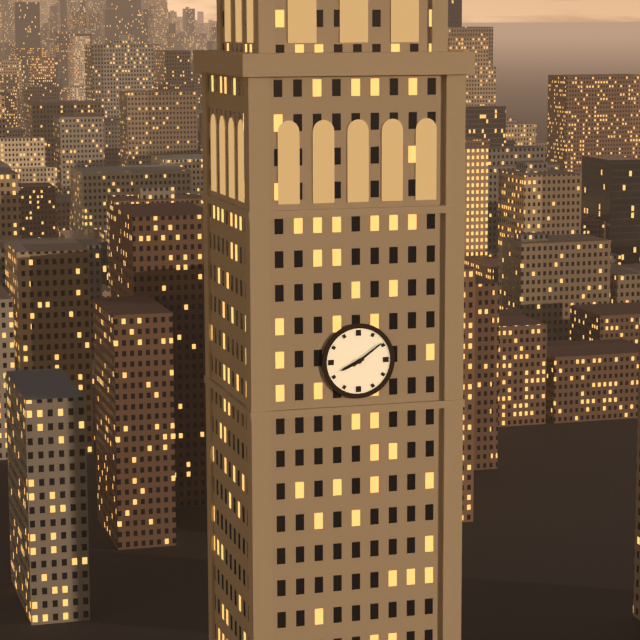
{"hour": 8, "minute": 9}
